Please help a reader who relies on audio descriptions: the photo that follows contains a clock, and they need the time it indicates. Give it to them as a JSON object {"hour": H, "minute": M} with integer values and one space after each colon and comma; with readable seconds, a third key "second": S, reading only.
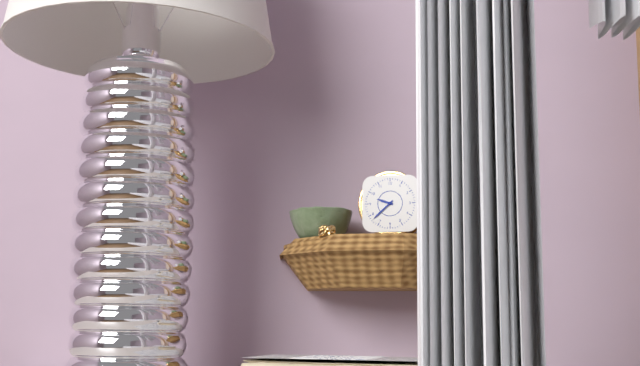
{"hour": 9, "minute": 38}
